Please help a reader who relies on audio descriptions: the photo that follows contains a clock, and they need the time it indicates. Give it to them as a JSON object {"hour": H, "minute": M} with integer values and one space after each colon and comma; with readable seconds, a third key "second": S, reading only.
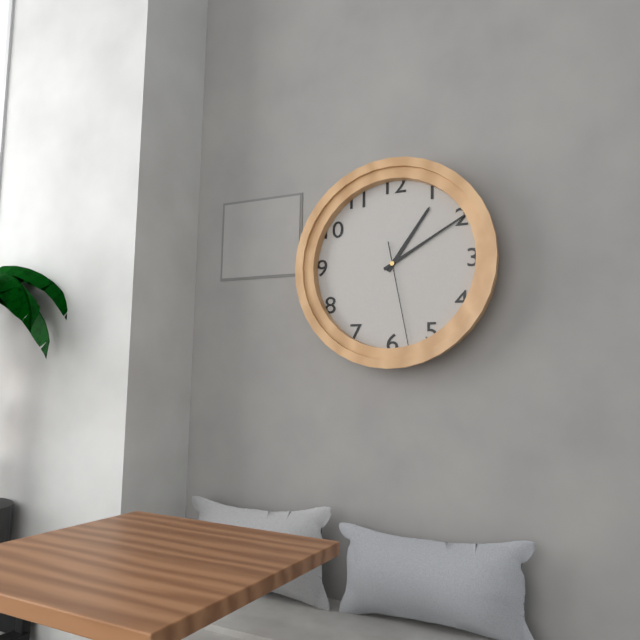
{"hour": 1, "minute": 10, "second": 28}
